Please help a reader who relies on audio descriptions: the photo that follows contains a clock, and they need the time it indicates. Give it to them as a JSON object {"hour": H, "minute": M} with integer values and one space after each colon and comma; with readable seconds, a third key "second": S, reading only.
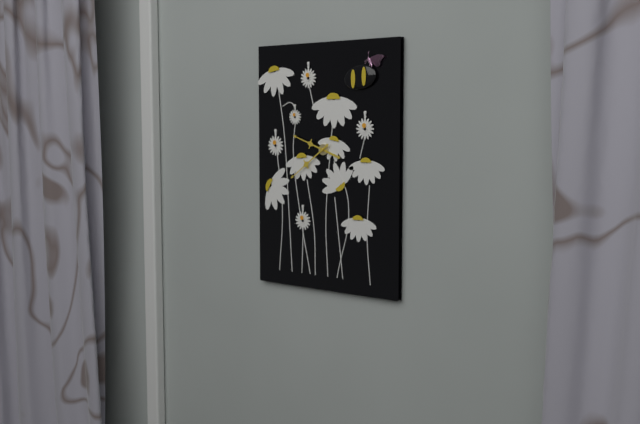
{"hour": 9, "minute": 39}
